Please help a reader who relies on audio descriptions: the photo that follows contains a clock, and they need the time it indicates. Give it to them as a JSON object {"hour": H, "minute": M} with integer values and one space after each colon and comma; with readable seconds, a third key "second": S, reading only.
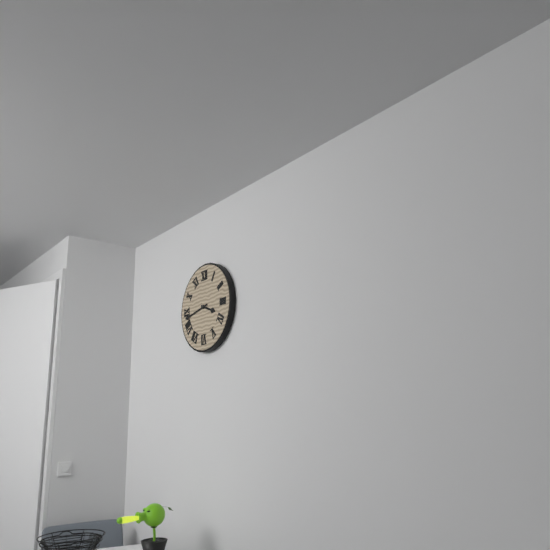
{"hour": 3, "minute": 43}
